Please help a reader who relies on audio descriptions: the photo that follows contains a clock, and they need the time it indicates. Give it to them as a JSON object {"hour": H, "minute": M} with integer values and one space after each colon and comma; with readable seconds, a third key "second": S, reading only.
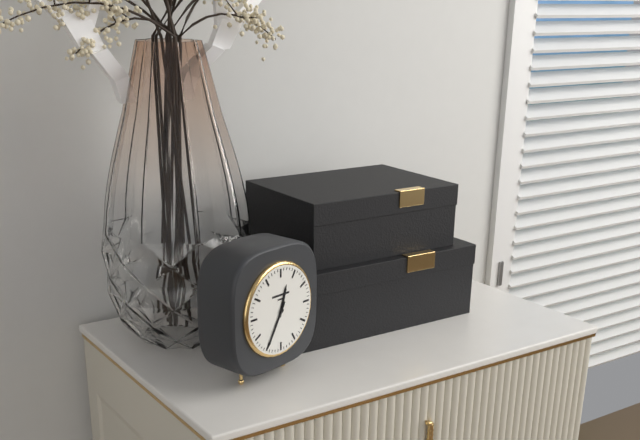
{"hour": 12, "minute": 35}
